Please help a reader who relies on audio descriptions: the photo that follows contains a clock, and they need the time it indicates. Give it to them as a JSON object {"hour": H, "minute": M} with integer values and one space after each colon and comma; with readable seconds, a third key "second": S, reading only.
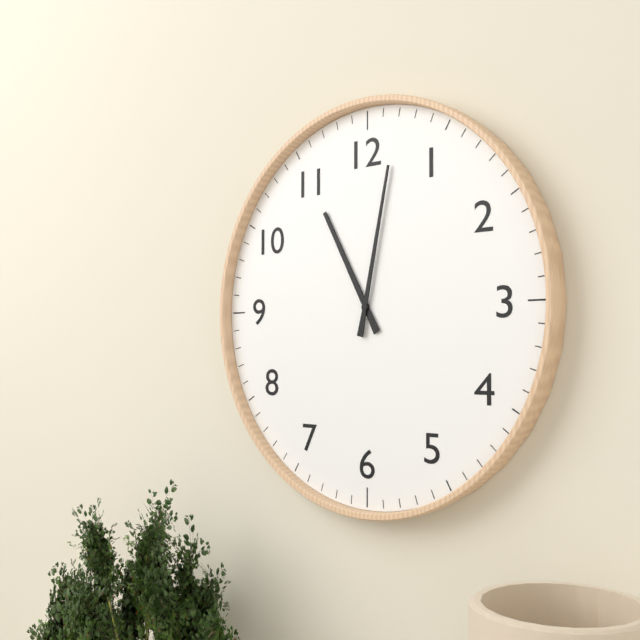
{"hour": 11, "minute": 2}
